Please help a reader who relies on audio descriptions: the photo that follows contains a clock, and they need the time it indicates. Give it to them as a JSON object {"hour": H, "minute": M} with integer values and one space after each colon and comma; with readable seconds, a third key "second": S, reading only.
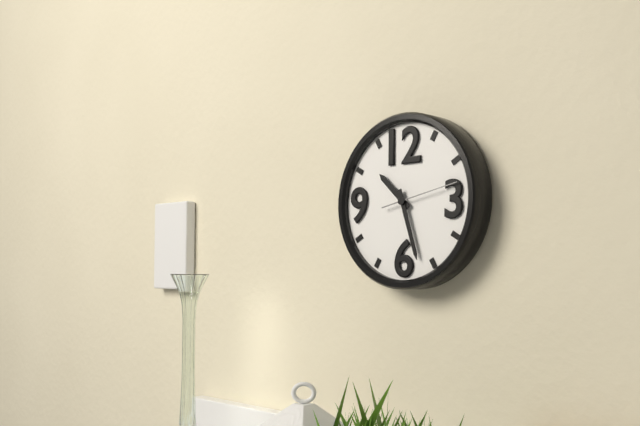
{"hour": 10, "minute": 27, "second": 13}
